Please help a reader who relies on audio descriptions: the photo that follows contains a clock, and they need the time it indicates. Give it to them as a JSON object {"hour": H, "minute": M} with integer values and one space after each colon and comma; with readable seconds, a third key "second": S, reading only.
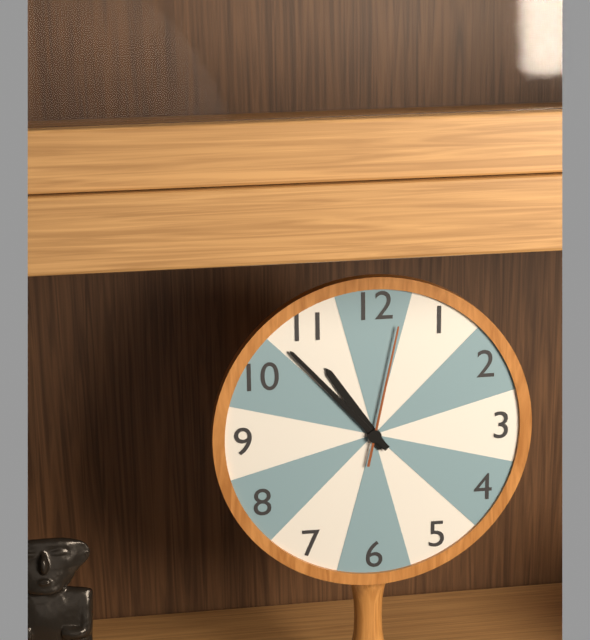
{"hour": 10, "minute": 53, "second": 2}
